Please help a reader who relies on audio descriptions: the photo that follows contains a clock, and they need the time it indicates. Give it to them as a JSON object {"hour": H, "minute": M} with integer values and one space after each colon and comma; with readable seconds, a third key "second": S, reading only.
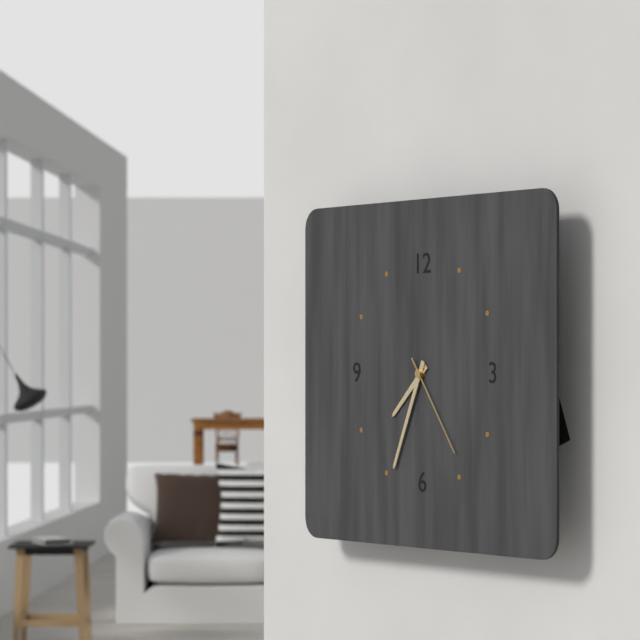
{"hour": 7, "minute": 34, "second": 24}
